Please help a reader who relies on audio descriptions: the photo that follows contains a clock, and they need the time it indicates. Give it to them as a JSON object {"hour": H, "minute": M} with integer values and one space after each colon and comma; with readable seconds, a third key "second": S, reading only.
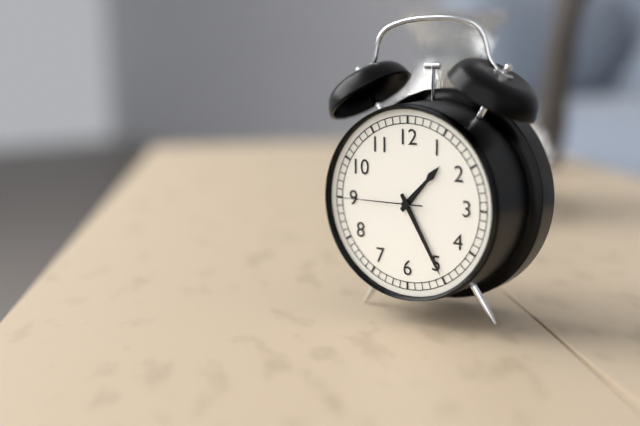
{"hour": 1, "minute": 25, "second": 45}
